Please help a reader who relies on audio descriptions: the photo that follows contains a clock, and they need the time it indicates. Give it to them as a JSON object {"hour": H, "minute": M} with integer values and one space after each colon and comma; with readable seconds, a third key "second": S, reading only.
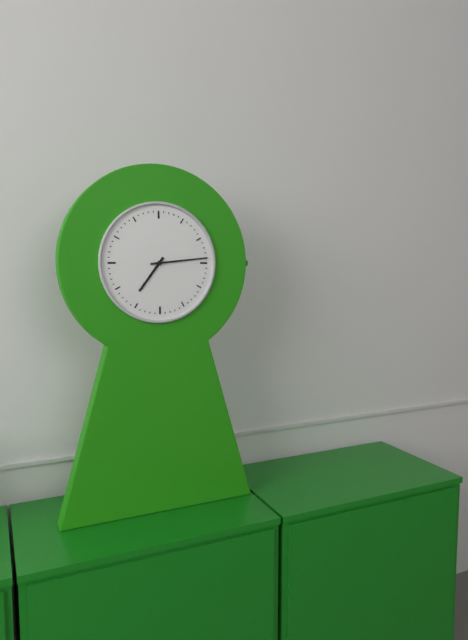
{"hour": 7, "minute": 14}
